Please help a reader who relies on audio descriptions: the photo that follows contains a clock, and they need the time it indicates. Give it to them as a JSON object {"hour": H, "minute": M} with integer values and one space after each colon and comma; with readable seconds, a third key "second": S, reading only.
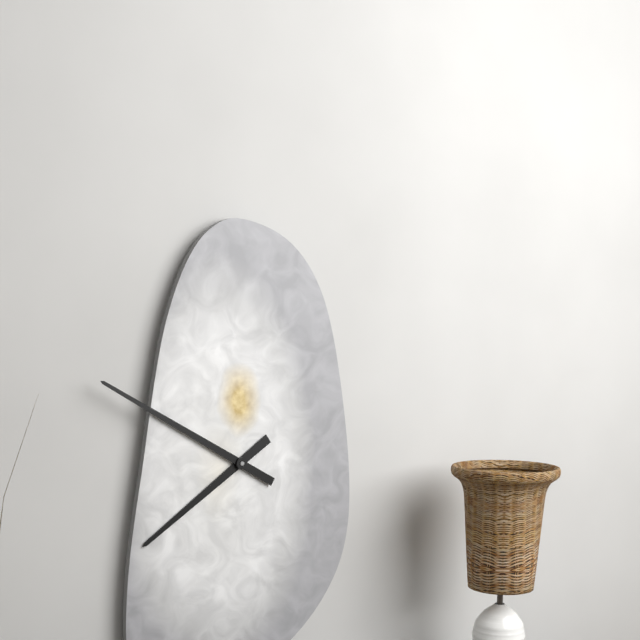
{"hour": 7, "minute": 50}
